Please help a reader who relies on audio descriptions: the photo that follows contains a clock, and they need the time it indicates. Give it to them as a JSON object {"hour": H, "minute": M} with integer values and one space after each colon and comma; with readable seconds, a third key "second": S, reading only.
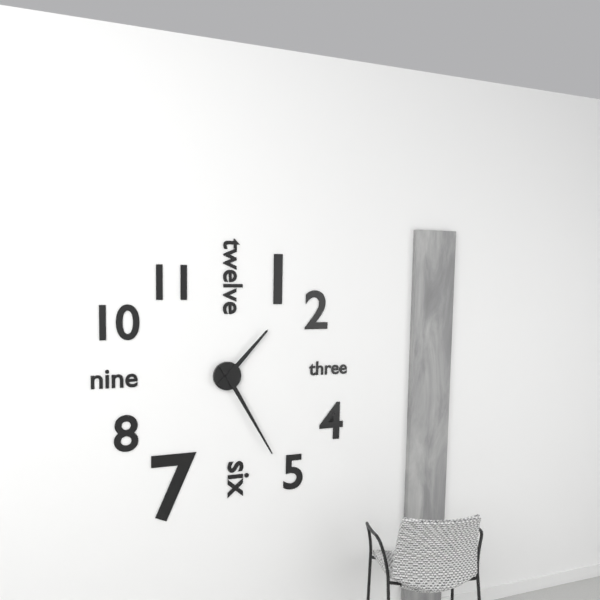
{"hour": 1, "minute": 25}
